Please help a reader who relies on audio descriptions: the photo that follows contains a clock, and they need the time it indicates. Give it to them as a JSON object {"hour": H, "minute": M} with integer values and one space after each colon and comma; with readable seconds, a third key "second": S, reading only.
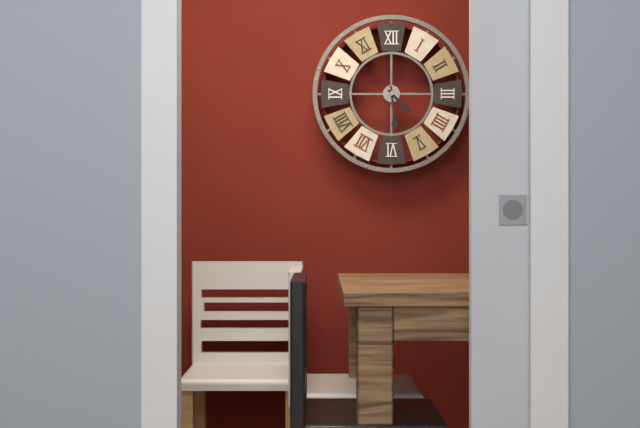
{"hour": 4, "minute": 29}
